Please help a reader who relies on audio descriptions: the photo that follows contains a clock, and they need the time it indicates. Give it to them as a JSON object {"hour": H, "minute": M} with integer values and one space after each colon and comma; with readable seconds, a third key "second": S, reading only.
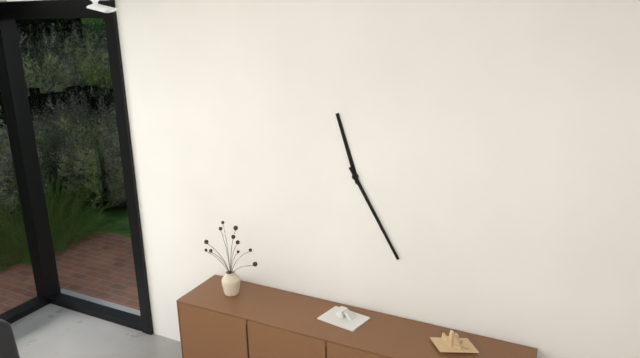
{"hour": 11, "minute": 25}
